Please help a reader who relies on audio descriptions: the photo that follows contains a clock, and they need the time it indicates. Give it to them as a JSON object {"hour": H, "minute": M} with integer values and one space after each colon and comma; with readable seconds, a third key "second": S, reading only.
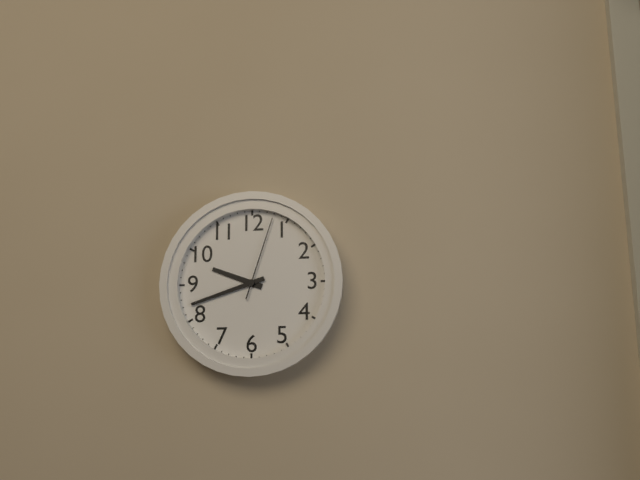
{"hour": 9, "minute": 42, "second": 3}
